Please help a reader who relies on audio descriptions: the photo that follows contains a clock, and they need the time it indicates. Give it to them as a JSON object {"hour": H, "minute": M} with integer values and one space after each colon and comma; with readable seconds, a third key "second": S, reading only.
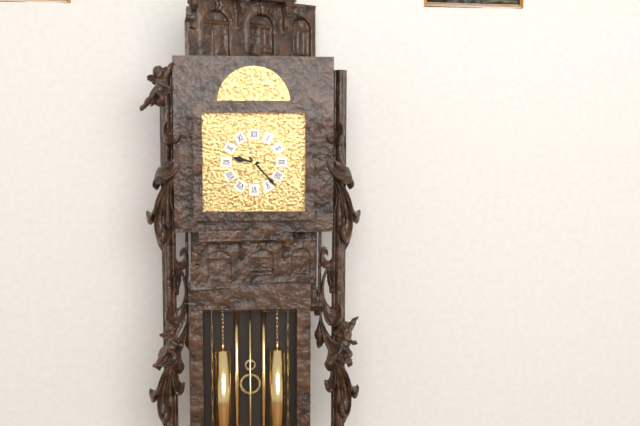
{"hour": 9, "minute": 23}
